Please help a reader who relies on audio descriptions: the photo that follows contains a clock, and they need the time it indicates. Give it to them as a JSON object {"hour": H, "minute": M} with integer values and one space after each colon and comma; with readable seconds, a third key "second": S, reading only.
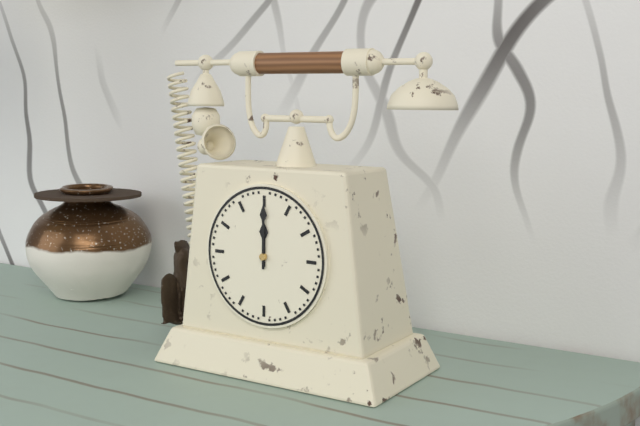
{"hour": 12, "minute": 0}
